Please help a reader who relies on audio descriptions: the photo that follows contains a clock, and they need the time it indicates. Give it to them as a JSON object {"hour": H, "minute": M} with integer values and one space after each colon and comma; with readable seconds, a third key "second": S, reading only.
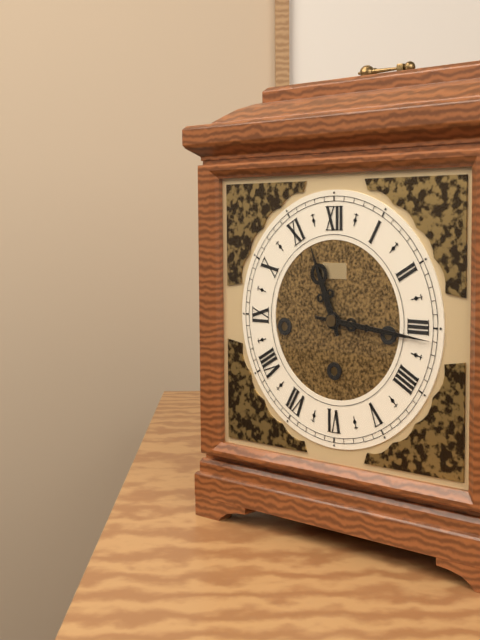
{"hour": 11, "minute": 16}
